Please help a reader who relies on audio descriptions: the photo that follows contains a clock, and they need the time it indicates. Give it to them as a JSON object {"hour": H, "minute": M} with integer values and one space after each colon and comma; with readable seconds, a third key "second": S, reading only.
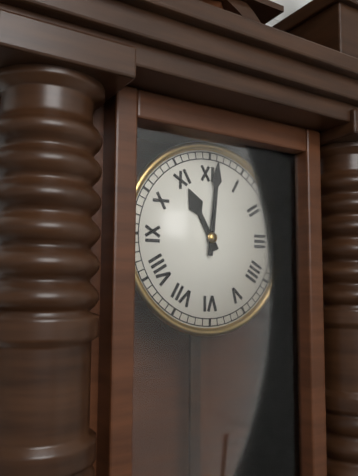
{"hour": 11, "minute": 1}
